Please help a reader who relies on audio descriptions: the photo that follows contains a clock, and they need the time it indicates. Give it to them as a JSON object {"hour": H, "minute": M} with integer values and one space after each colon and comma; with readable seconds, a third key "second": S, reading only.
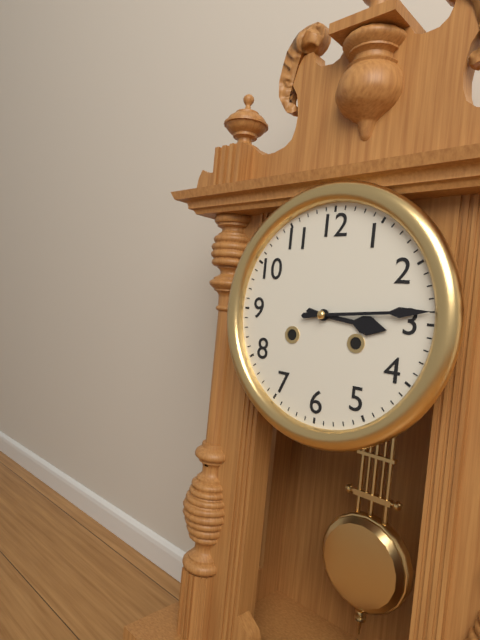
{"hour": 3, "minute": 14}
